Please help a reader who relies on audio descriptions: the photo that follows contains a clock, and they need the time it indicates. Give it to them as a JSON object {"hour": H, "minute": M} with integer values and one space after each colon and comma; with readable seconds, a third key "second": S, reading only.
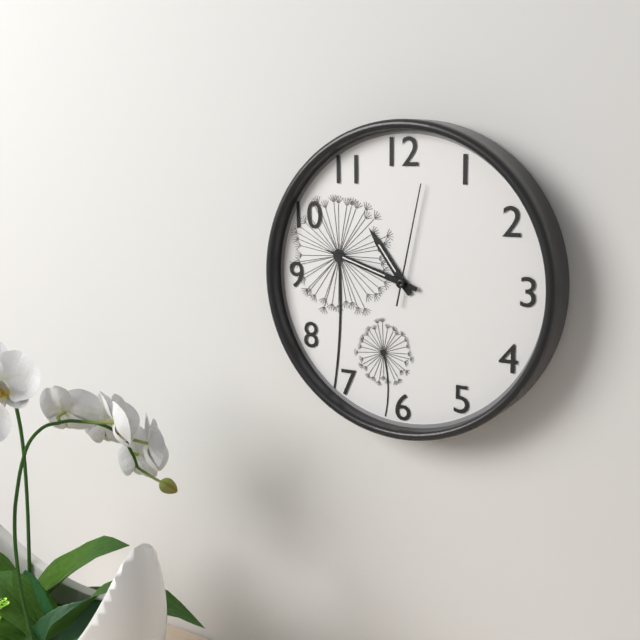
{"hour": 10, "minute": 48, "second": 2}
